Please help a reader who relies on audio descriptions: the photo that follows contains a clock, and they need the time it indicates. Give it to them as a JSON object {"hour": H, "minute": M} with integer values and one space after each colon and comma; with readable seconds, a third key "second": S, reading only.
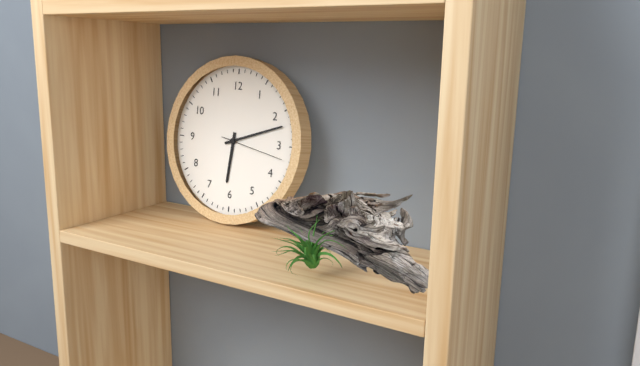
{"hour": 6, "minute": 12, "second": 17}
